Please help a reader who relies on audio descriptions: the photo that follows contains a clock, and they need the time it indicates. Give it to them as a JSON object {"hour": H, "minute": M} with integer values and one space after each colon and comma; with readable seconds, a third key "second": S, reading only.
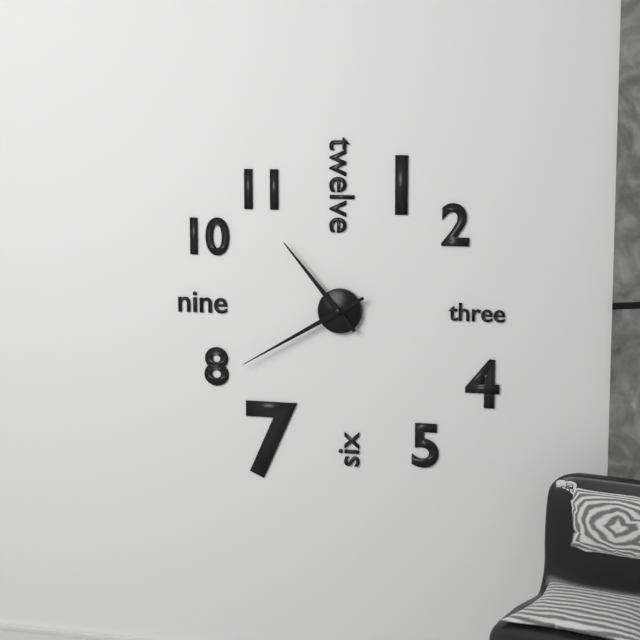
{"hour": 10, "minute": 40}
